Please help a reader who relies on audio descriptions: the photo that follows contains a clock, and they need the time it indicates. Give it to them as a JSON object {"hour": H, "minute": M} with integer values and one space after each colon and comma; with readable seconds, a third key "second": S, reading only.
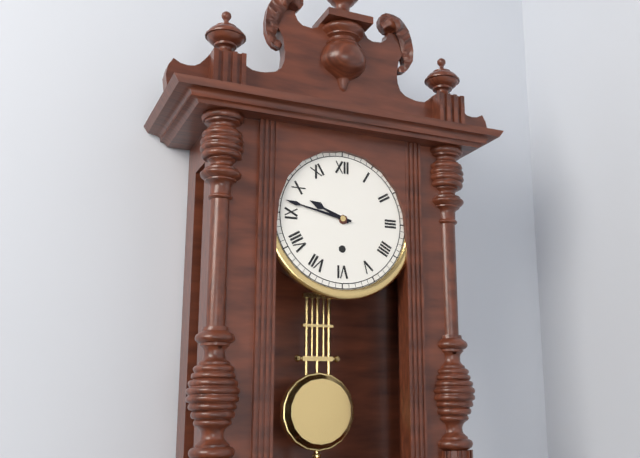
{"hour": 9, "minute": 47}
